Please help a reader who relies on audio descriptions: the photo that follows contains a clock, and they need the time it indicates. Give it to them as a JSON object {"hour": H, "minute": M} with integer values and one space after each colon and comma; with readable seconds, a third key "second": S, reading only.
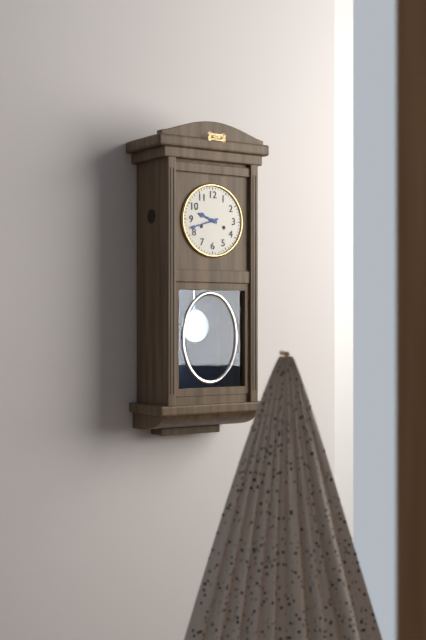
{"hour": 9, "minute": 42}
